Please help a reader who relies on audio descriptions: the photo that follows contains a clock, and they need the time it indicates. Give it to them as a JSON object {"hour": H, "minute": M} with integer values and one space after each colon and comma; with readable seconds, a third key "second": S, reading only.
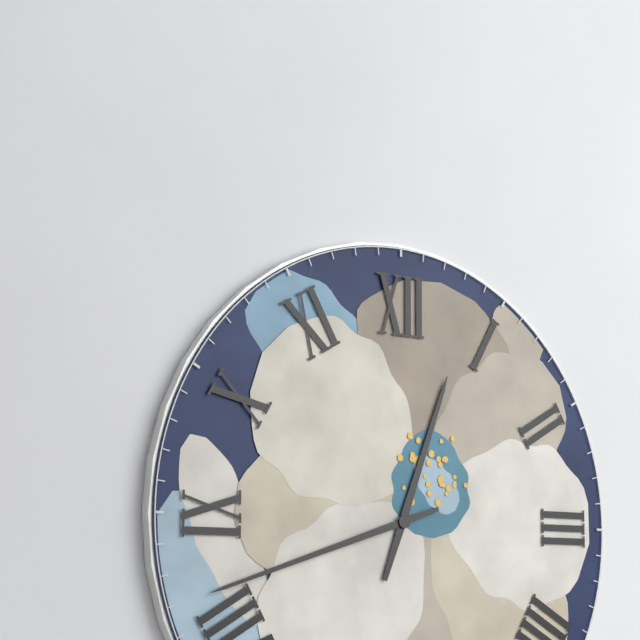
{"hour": 12, "minute": 42}
